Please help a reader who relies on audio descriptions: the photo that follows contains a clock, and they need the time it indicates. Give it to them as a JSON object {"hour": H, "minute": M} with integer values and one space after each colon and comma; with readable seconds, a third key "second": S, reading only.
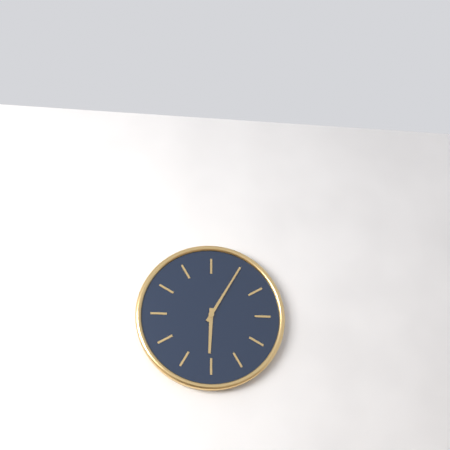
{"hour": 6, "minute": 5}
